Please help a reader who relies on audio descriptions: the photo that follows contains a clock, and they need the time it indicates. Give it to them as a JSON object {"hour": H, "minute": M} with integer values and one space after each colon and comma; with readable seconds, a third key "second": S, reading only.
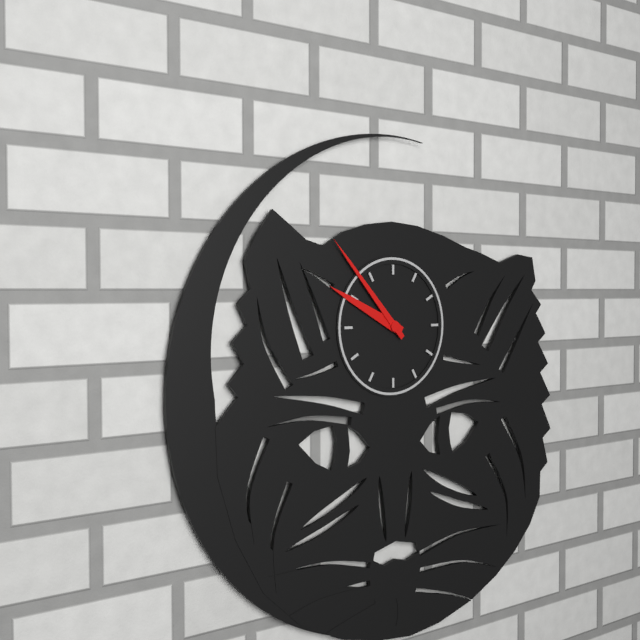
{"hour": 9, "minute": 53}
